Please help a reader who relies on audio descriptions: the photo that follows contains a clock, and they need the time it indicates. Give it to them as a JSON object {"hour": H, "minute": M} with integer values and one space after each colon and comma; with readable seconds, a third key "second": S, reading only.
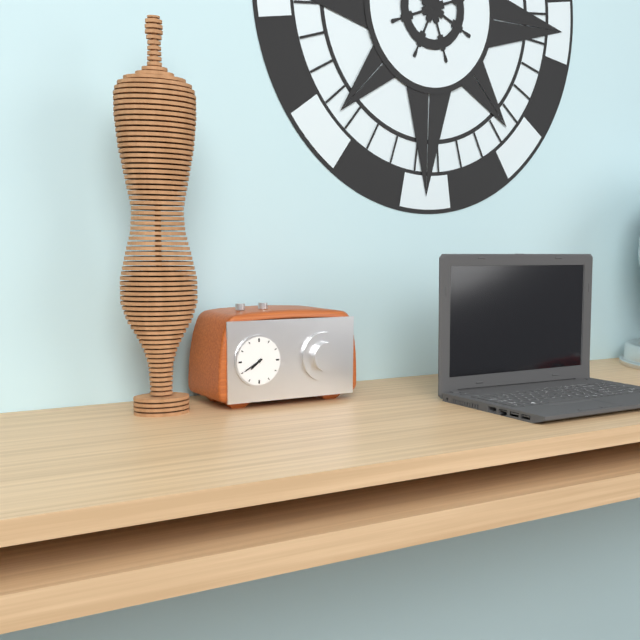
{"hour": 7, "minute": 40}
